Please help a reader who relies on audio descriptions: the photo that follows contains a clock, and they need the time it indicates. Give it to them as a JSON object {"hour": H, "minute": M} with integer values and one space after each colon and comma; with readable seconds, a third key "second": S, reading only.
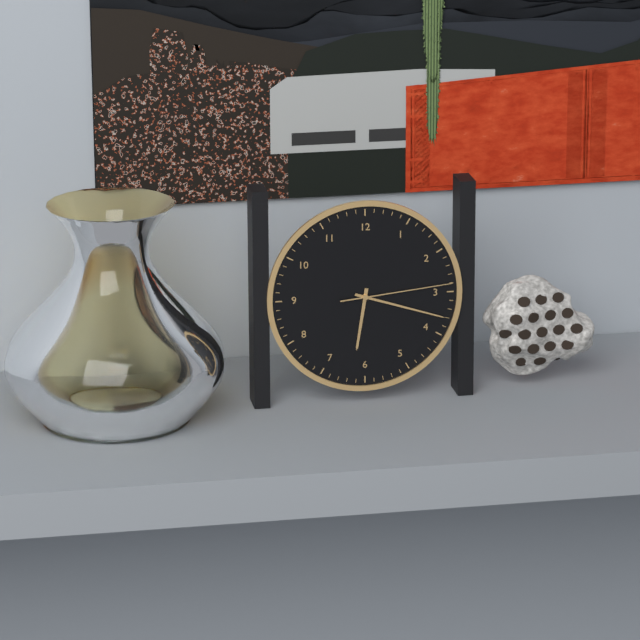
{"hour": 6, "minute": 18, "second": 14}
